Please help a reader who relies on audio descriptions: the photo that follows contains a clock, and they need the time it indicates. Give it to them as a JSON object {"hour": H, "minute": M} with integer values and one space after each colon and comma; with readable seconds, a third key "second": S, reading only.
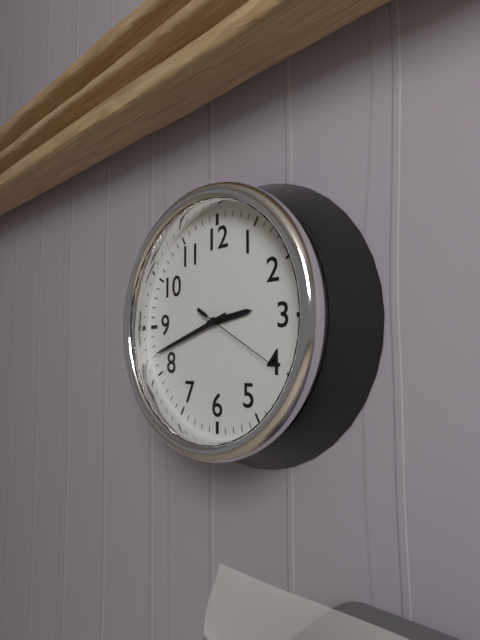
{"hour": 2, "minute": 42, "second": 20}
